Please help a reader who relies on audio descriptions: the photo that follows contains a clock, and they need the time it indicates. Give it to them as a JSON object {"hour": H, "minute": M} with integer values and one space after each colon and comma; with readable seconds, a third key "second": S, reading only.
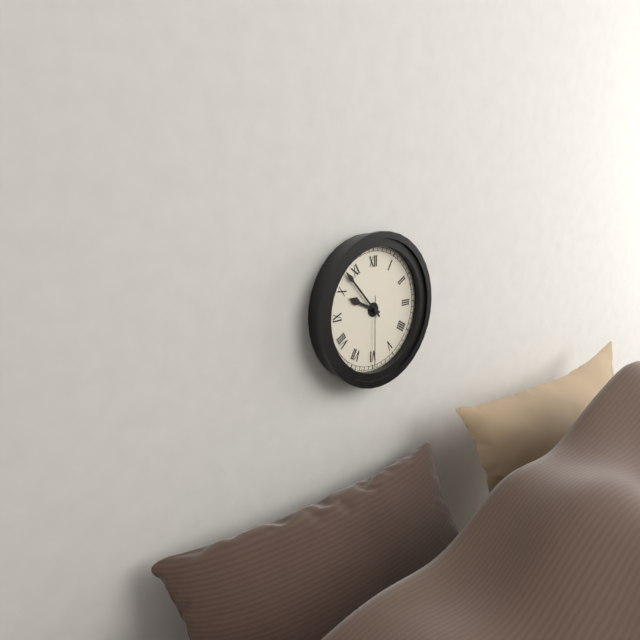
{"hour": 9, "minute": 53, "second": 30}
